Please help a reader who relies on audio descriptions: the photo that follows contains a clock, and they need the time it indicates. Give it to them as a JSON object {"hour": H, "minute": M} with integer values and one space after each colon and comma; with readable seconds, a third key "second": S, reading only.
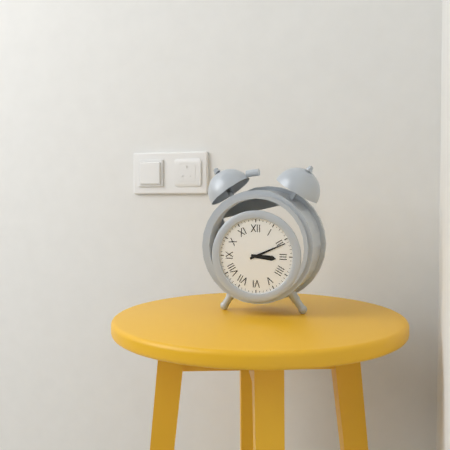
{"hour": 3, "minute": 11}
